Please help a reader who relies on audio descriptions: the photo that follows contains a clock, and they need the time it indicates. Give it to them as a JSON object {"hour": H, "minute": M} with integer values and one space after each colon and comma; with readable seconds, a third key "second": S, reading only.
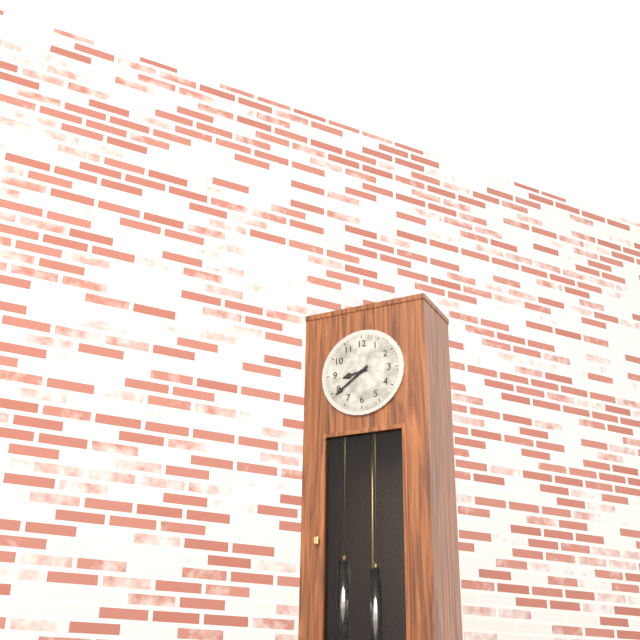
{"hour": 8, "minute": 39}
